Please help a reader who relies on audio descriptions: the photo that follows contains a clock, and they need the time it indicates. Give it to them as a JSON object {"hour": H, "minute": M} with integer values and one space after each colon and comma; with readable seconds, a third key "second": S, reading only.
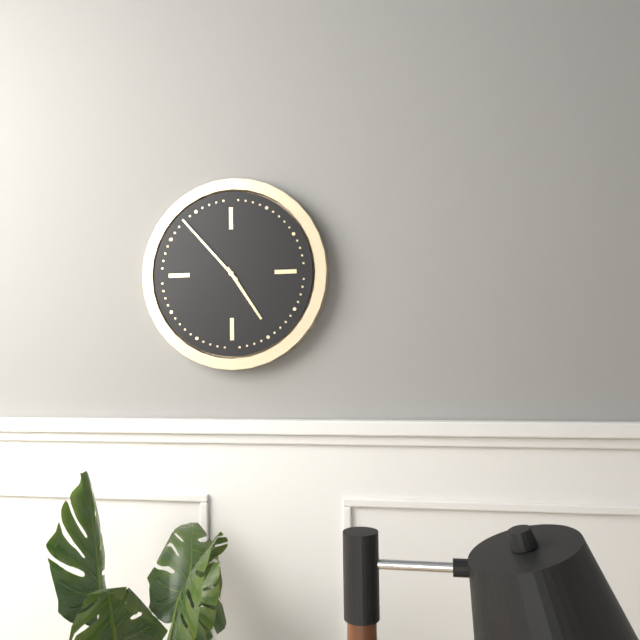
{"hour": 4, "minute": 53}
